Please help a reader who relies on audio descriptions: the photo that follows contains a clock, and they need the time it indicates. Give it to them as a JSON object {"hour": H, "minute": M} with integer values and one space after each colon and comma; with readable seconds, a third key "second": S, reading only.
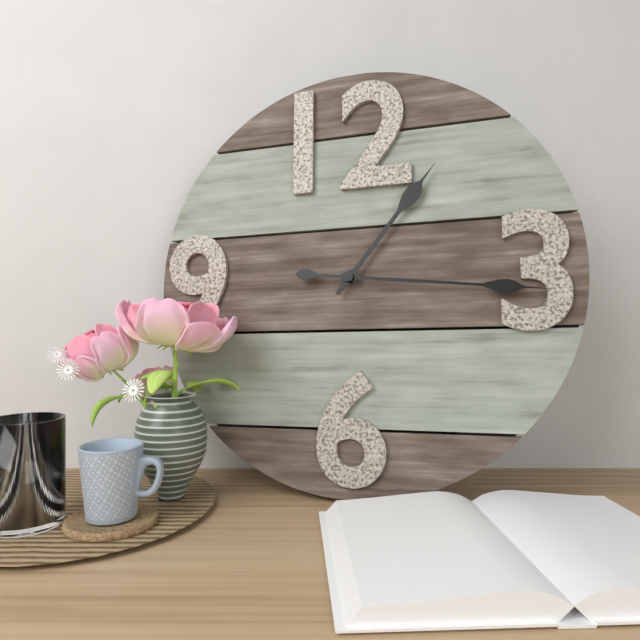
{"hour": 1, "minute": 16}
